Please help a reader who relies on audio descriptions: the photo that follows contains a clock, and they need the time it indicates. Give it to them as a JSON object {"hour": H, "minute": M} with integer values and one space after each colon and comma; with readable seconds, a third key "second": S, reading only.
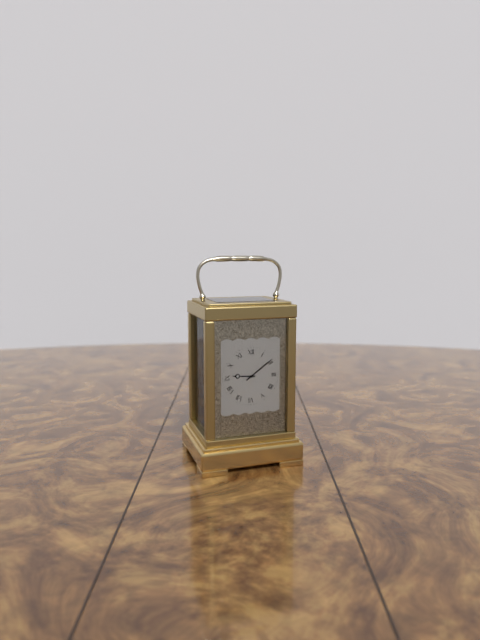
{"hour": 9, "minute": 9}
